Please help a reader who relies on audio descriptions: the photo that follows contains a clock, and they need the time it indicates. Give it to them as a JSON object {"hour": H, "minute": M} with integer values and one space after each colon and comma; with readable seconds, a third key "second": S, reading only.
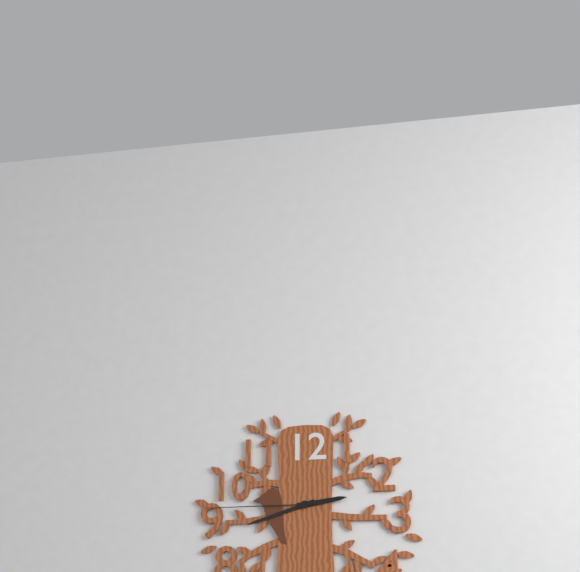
{"hour": 2, "minute": 42, "second": 45}
